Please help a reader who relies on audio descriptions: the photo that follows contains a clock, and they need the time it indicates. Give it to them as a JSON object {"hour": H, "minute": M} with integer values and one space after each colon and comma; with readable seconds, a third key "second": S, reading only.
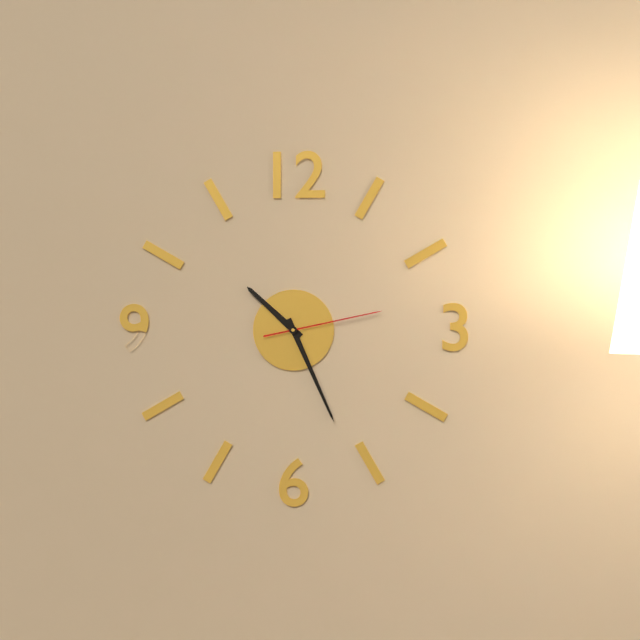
{"hour": 10, "minute": 26, "second": 13}
